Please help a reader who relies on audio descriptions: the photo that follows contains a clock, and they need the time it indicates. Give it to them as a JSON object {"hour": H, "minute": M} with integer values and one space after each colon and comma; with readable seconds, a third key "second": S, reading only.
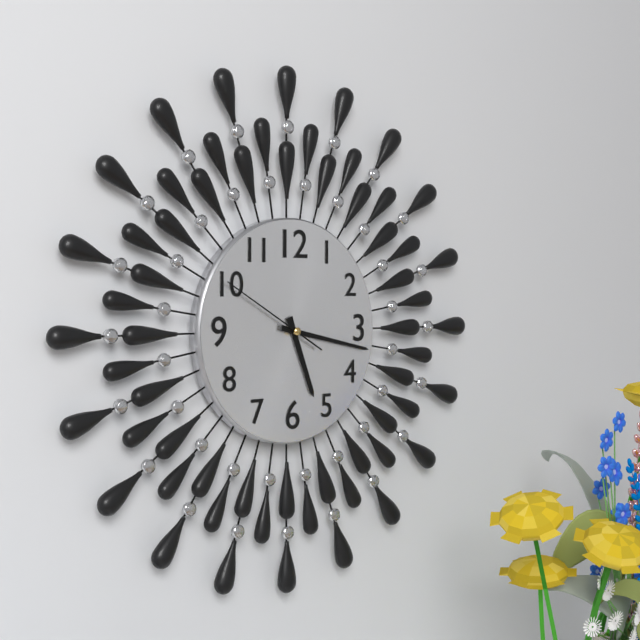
{"hour": 5, "minute": 17, "second": 50}
